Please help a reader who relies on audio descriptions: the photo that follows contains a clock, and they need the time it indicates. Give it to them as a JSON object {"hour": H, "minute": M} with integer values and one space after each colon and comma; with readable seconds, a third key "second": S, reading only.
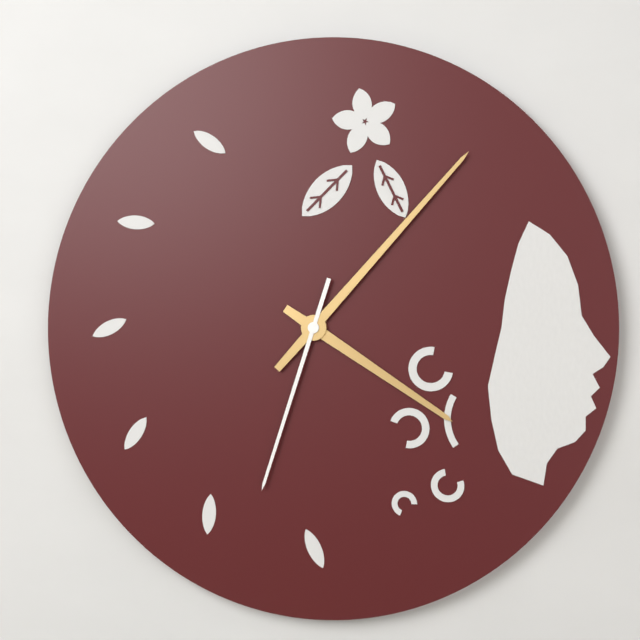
{"hour": 4, "minute": 7, "second": 33}
